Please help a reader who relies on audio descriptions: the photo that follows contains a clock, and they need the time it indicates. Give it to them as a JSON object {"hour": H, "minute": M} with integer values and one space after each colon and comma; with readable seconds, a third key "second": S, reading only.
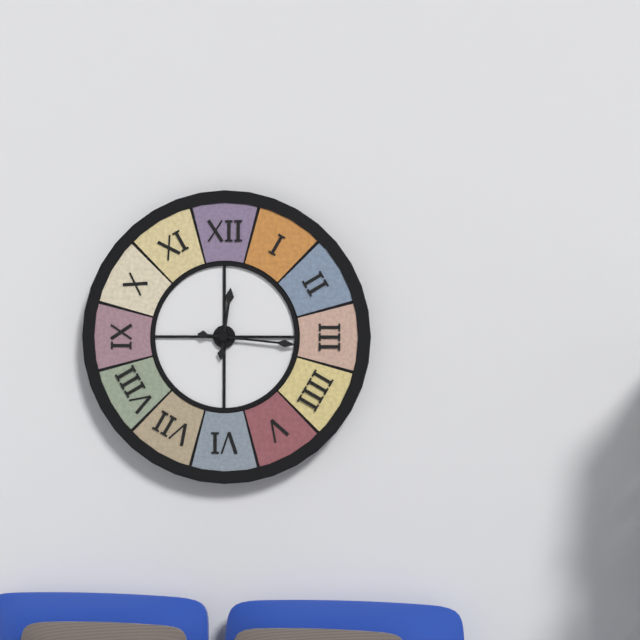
{"hour": 12, "minute": 16}
